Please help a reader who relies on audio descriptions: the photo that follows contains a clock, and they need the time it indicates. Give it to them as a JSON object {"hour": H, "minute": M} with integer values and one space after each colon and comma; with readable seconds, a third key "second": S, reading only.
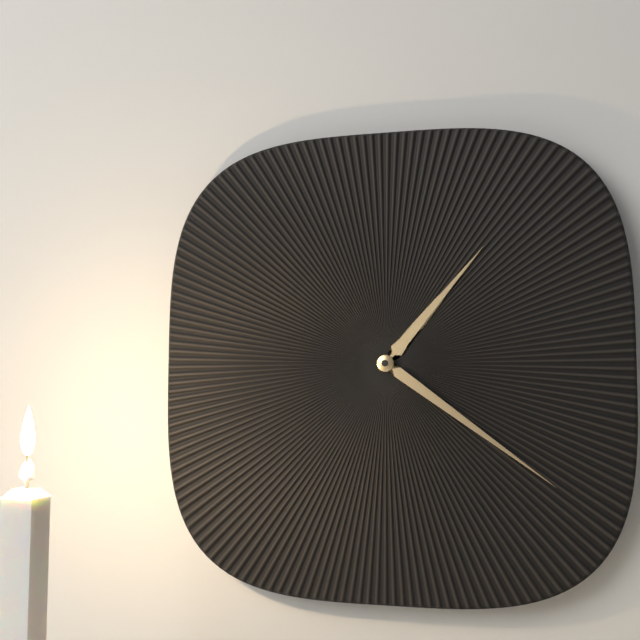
{"hour": 1, "minute": 21}
